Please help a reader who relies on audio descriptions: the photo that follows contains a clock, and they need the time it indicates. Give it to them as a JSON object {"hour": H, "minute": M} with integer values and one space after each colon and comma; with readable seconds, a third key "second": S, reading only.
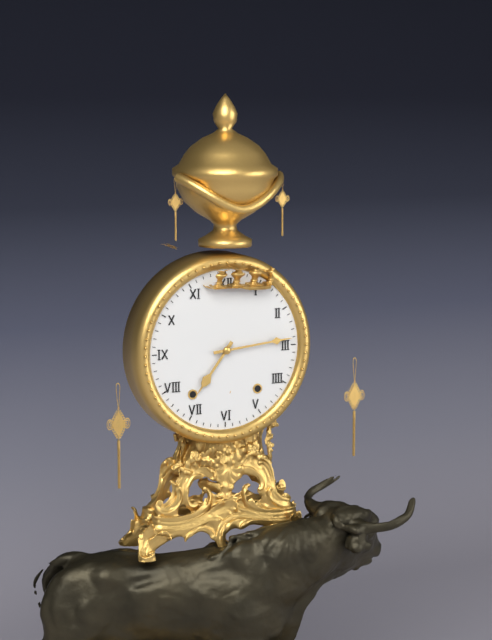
{"hour": 7, "minute": 14}
